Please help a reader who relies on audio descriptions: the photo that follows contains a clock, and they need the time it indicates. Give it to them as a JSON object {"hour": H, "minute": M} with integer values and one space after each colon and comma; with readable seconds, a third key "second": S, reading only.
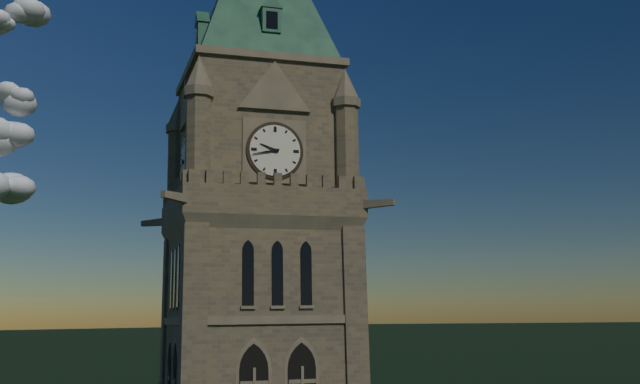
{"hour": 9, "minute": 43}
